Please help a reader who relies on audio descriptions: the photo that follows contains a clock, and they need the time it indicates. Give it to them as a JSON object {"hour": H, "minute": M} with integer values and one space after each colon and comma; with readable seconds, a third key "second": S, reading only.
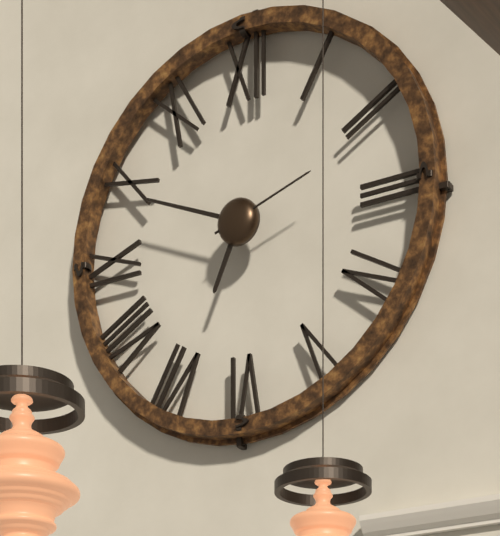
{"hour": 6, "minute": 49, "second": 12}
